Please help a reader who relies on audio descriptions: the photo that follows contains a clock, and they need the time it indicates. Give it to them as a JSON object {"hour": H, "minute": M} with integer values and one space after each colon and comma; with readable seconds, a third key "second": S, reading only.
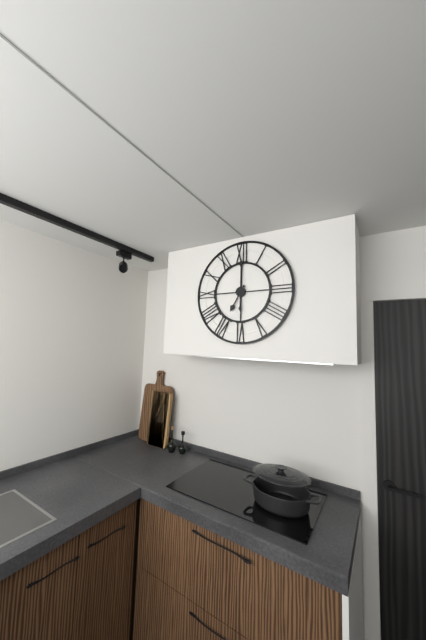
{"hour": 7, "minute": 0}
